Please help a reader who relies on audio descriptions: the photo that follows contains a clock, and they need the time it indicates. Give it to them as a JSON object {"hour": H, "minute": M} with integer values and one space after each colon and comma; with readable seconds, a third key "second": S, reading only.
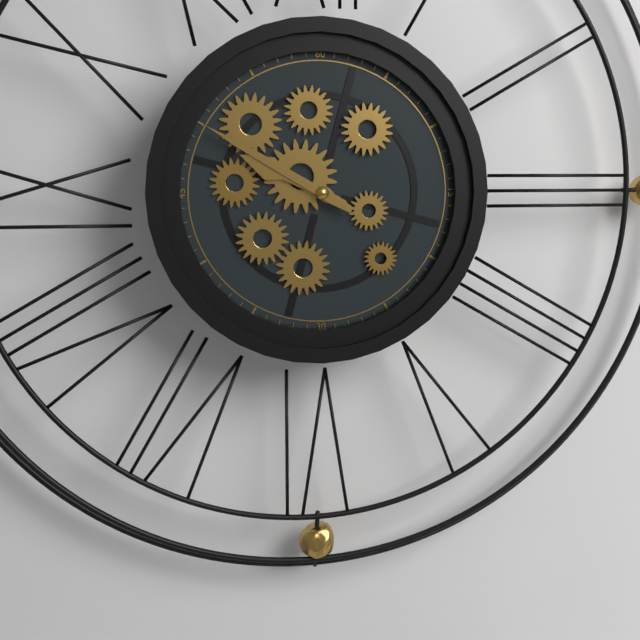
{"hour": 9, "minute": 50}
